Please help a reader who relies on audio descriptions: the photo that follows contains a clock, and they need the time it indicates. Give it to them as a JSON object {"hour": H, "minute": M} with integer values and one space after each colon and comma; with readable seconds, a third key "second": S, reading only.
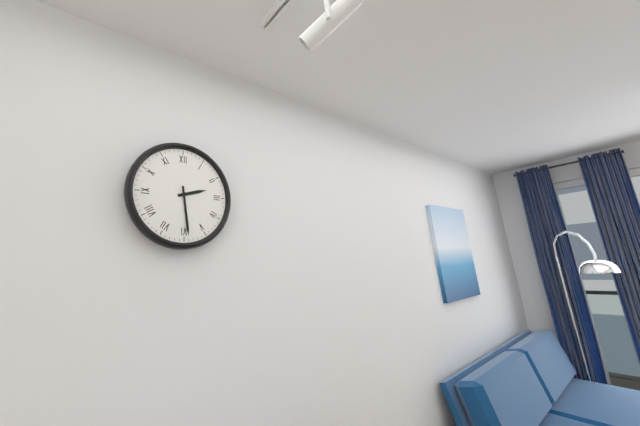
{"hour": 2, "minute": 29}
